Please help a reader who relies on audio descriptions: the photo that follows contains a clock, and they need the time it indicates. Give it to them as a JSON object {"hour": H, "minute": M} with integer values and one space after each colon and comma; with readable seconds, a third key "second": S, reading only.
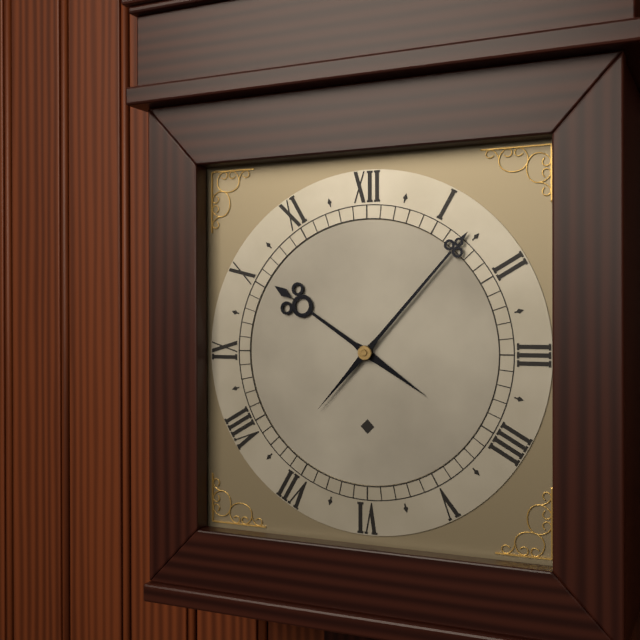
{"hour": 10, "minute": 7}
